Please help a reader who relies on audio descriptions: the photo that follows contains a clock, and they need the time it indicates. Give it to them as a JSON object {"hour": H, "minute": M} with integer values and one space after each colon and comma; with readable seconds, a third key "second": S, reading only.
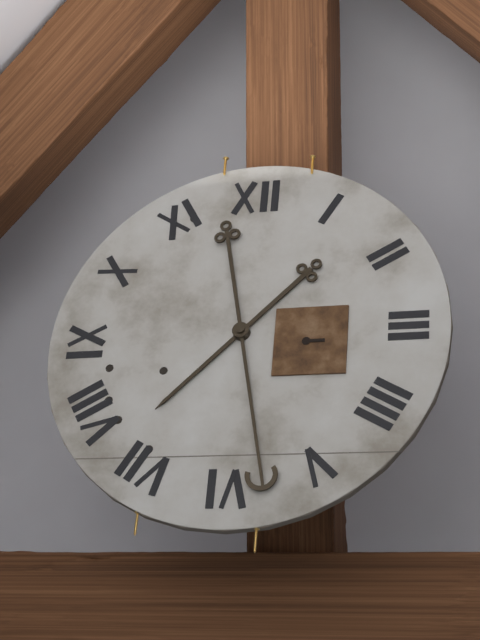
{"hour": 7, "minute": 28}
